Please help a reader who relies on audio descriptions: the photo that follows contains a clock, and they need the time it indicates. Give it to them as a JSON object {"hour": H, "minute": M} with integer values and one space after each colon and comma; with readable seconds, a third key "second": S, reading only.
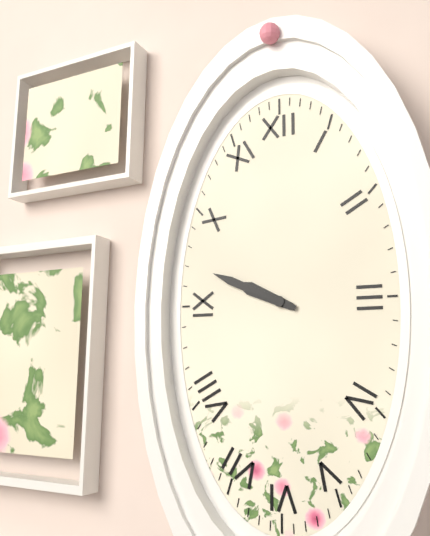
{"hour": 9, "minute": 49}
